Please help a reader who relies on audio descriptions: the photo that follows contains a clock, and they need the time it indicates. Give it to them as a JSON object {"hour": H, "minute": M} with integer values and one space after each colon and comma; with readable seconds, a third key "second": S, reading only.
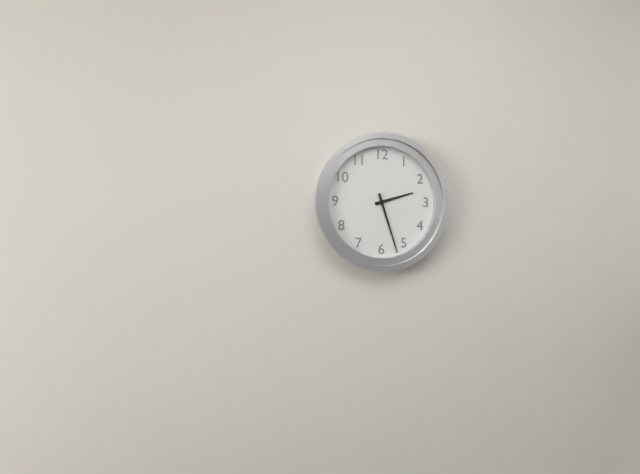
{"hour": 2, "minute": 27}
